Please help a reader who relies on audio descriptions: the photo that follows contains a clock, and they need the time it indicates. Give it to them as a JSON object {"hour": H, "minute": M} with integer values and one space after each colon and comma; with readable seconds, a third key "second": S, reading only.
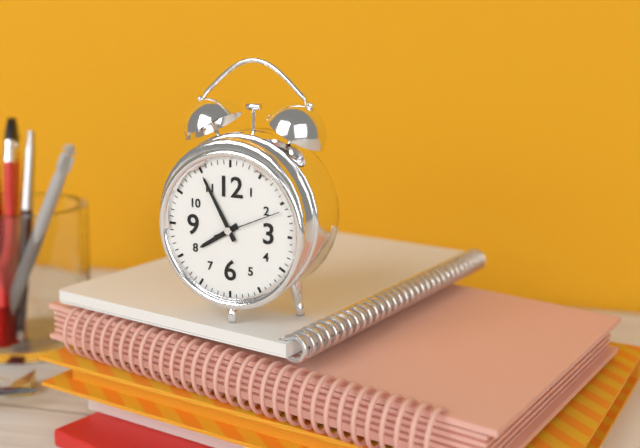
{"hour": 7, "minute": 55, "second": 11}
